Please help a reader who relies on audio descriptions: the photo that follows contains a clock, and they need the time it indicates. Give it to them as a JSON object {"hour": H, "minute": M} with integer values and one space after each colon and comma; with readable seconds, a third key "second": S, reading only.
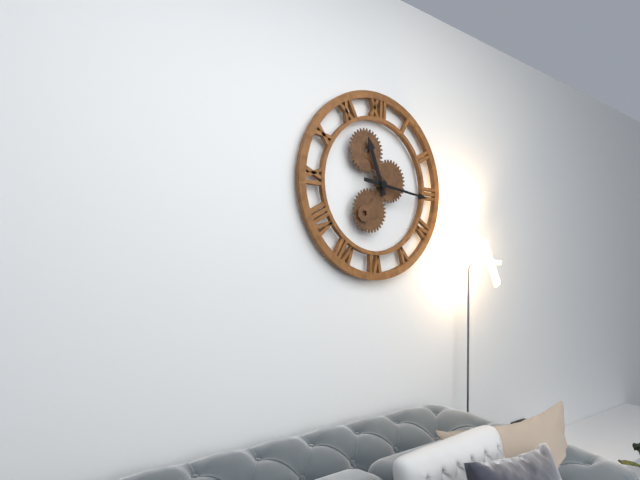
{"hour": 11, "minute": 16}
